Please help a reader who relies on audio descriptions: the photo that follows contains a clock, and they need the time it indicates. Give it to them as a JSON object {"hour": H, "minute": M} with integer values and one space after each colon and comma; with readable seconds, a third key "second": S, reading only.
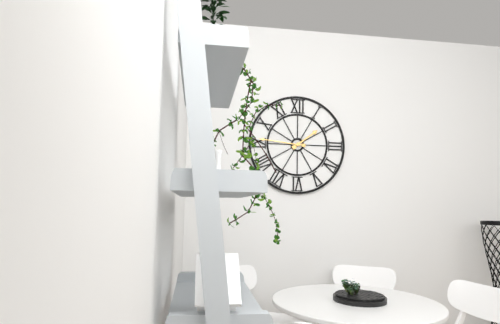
{"hour": 1, "minute": 46}
